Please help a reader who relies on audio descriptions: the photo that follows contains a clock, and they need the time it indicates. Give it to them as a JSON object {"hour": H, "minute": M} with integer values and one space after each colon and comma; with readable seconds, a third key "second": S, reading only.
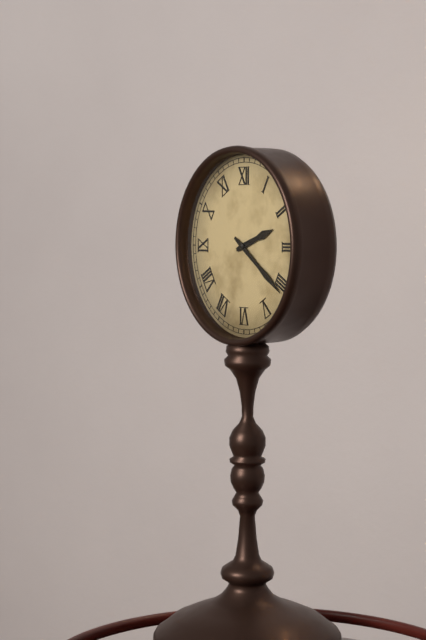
{"hour": 2, "minute": 21}
